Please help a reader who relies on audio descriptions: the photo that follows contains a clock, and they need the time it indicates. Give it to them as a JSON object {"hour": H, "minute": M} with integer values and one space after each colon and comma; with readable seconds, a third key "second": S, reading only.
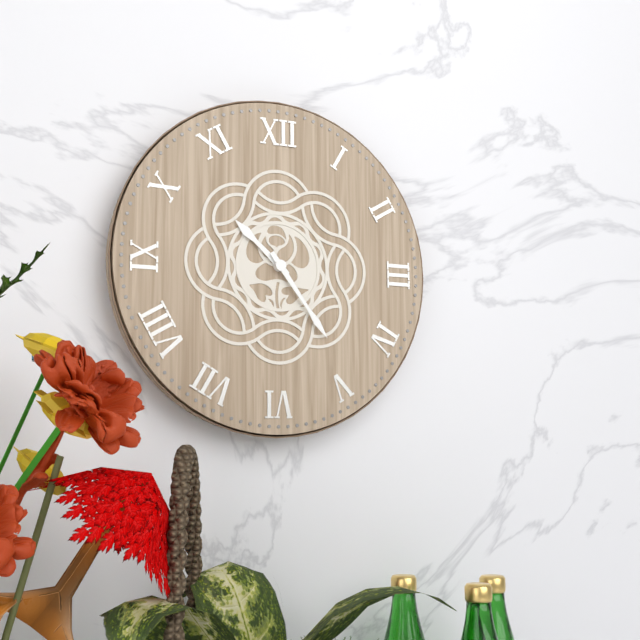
{"hour": 10, "minute": 24}
